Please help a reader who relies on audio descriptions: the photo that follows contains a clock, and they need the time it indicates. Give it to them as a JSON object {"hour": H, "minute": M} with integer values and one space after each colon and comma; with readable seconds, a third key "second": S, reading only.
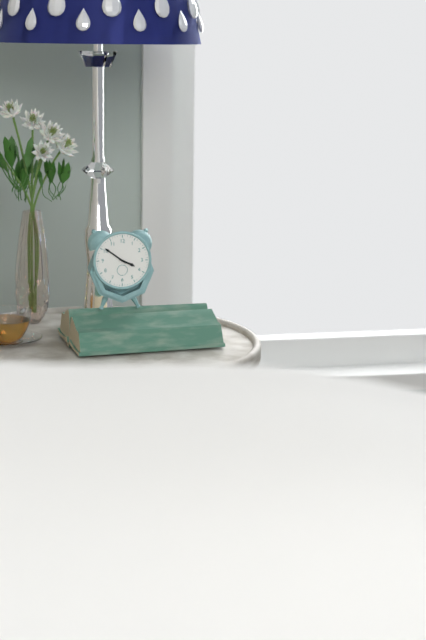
{"hour": 3, "minute": 51}
